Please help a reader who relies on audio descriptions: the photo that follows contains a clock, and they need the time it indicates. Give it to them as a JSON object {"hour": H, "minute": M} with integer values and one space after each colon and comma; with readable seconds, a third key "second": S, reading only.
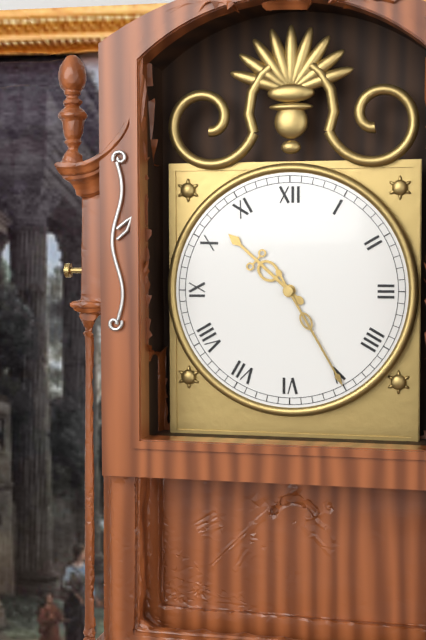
{"hour": 10, "minute": 25}
